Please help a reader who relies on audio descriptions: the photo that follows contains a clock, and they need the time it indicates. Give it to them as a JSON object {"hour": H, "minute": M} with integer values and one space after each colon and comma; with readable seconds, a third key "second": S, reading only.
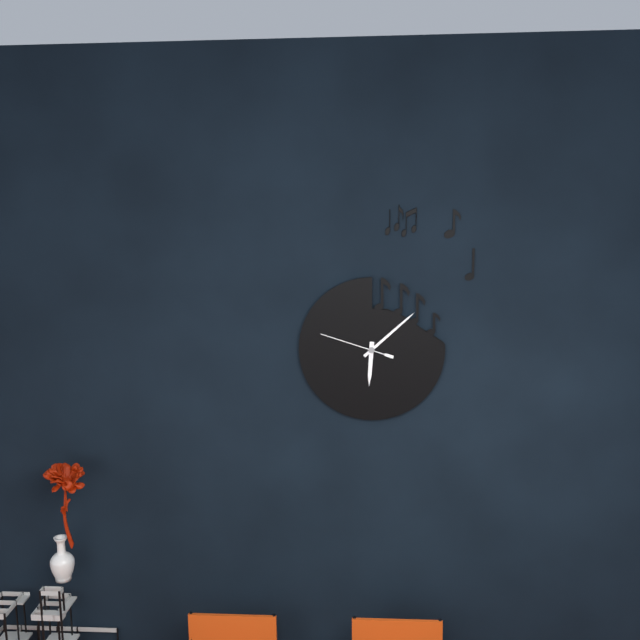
{"hour": 6, "minute": 8, "second": 48}
